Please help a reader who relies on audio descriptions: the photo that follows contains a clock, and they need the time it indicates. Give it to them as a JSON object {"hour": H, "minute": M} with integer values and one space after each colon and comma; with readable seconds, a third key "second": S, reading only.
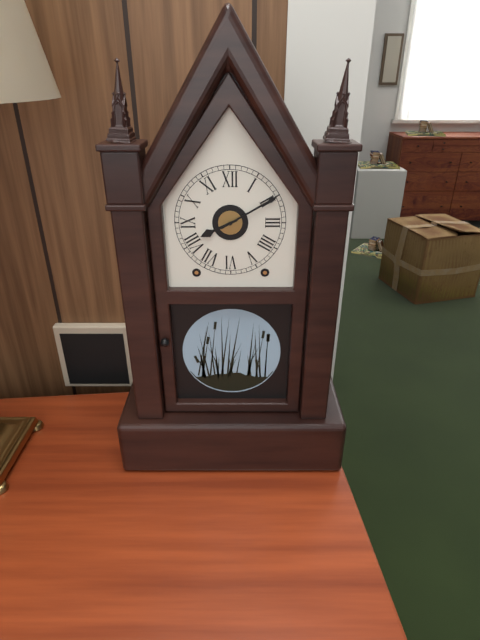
{"hour": 8, "minute": 10}
